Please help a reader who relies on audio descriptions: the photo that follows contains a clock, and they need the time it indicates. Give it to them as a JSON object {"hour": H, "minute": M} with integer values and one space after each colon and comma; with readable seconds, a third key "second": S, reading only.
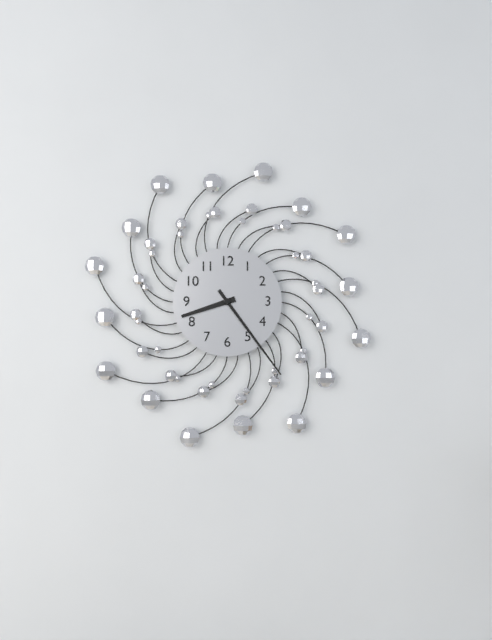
{"hour": 8, "minute": 24}
